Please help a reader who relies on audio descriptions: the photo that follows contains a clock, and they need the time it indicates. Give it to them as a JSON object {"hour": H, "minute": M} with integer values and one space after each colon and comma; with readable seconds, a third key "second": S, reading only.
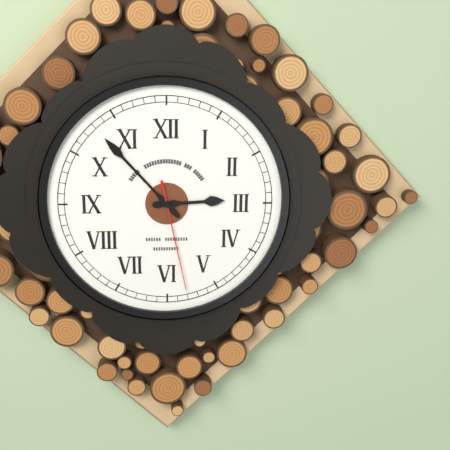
{"hour": 2, "minute": 53, "second": 28}
